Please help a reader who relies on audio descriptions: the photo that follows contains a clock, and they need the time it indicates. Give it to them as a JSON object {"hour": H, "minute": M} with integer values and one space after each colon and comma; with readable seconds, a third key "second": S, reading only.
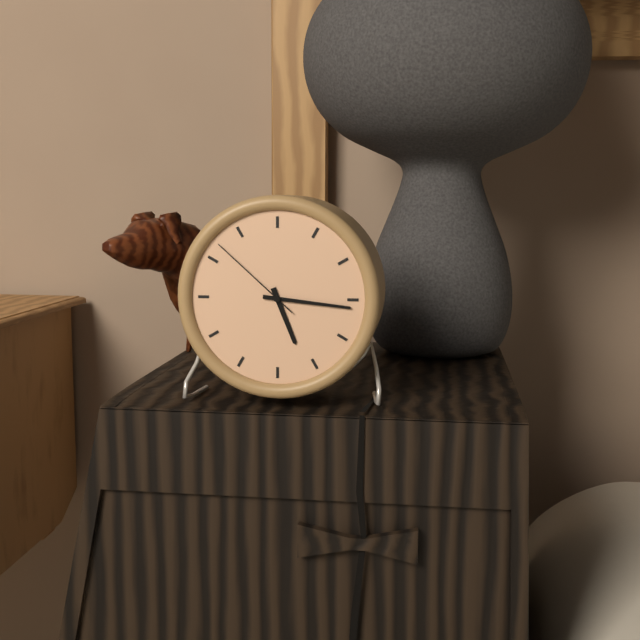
{"hour": 5, "minute": 16, "second": 52}
